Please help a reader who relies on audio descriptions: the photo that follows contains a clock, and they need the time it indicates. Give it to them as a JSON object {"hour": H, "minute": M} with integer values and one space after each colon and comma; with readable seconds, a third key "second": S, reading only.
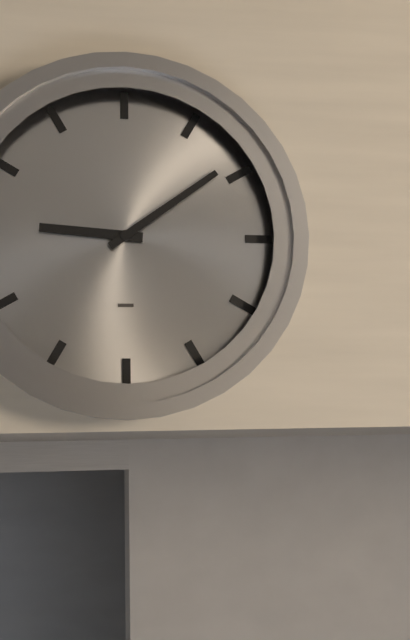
{"hour": 9, "minute": 9}
